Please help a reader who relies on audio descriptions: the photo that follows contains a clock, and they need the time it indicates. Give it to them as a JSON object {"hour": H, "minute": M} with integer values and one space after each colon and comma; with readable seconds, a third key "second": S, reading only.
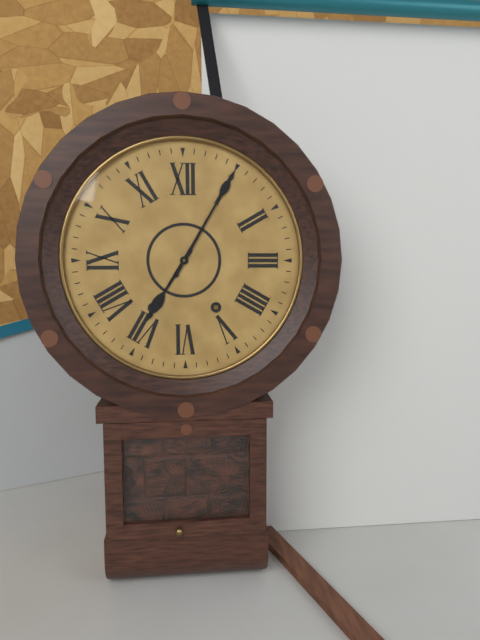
{"hour": 7, "minute": 5}
